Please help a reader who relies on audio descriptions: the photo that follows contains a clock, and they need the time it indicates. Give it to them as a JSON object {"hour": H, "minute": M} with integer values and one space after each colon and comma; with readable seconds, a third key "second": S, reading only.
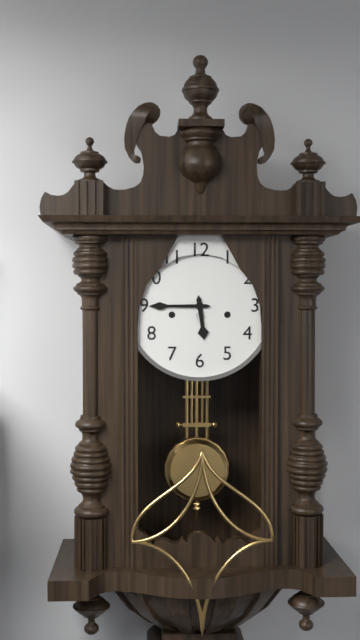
{"hour": 5, "minute": 45}
